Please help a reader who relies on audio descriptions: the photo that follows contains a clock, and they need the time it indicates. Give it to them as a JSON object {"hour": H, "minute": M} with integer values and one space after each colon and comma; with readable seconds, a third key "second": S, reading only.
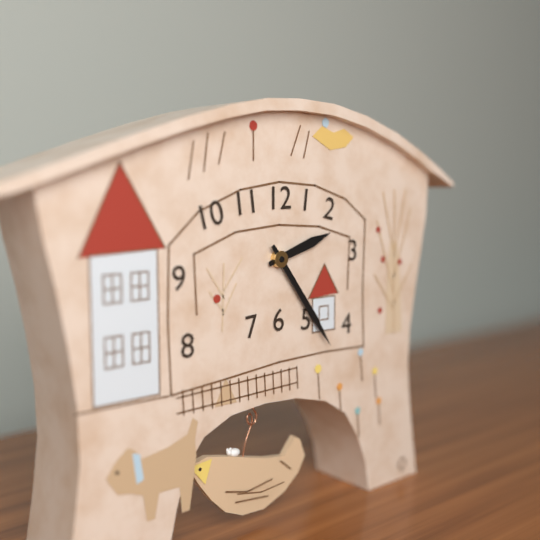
{"hour": 2, "minute": 24}
